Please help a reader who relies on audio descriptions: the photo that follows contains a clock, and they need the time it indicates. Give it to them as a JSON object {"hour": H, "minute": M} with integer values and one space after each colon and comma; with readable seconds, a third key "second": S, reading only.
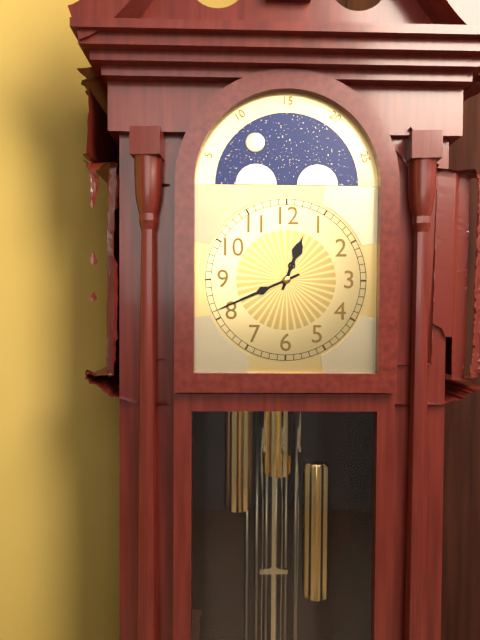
{"hour": 12, "minute": 41}
